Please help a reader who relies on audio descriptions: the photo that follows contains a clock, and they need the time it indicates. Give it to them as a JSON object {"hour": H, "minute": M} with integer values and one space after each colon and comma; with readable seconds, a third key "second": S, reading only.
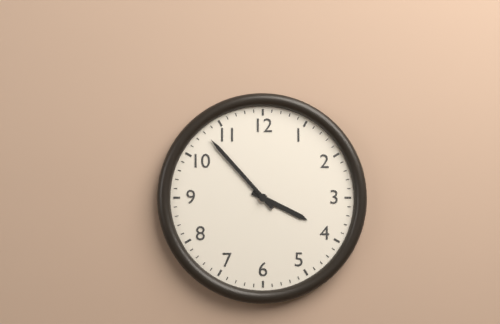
{"hour": 3, "minute": 53}
